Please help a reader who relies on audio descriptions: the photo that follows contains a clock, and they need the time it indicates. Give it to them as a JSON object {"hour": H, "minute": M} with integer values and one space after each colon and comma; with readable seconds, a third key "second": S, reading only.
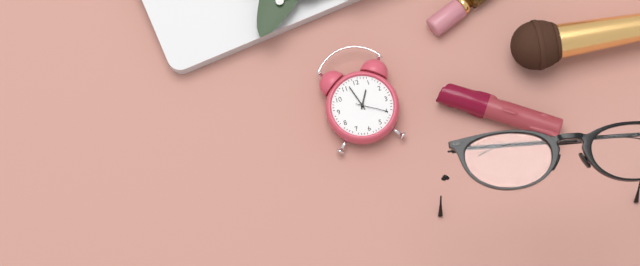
{"hour": 12, "minute": 57}
